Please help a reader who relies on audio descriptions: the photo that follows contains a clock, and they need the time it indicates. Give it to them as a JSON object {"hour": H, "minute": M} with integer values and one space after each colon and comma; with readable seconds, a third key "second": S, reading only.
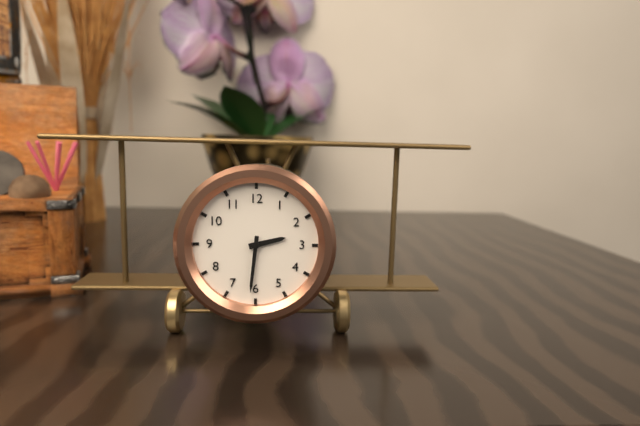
{"hour": 2, "minute": 31}
